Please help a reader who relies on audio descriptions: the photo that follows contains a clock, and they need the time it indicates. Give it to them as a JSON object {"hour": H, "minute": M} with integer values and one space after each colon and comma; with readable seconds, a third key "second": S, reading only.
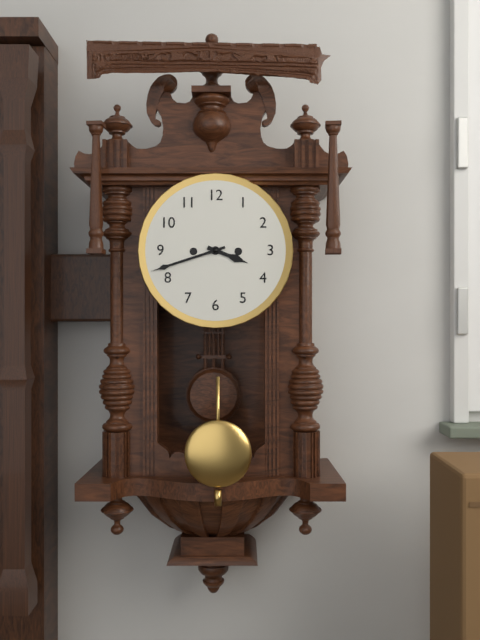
{"hour": 3, "minute": 42}
